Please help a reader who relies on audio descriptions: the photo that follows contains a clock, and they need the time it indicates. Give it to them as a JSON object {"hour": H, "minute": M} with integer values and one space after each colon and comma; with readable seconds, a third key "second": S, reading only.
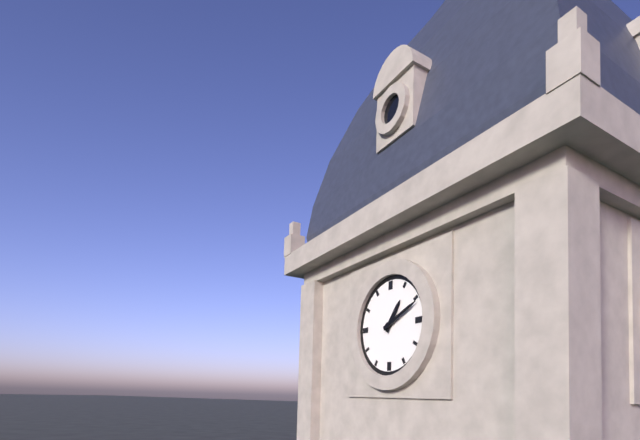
{"hour": 1, "minute": 11}
